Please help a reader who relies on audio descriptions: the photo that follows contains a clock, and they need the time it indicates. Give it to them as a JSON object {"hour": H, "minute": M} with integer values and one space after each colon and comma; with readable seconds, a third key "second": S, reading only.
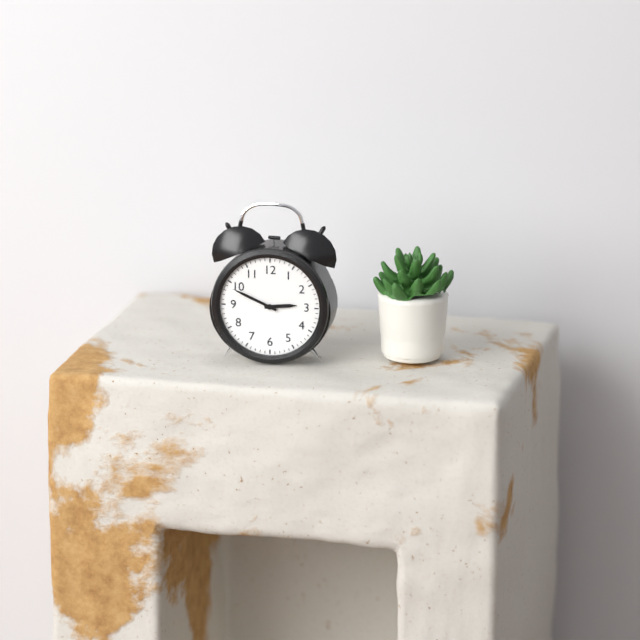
{"hour": 2, "minute": 49}
